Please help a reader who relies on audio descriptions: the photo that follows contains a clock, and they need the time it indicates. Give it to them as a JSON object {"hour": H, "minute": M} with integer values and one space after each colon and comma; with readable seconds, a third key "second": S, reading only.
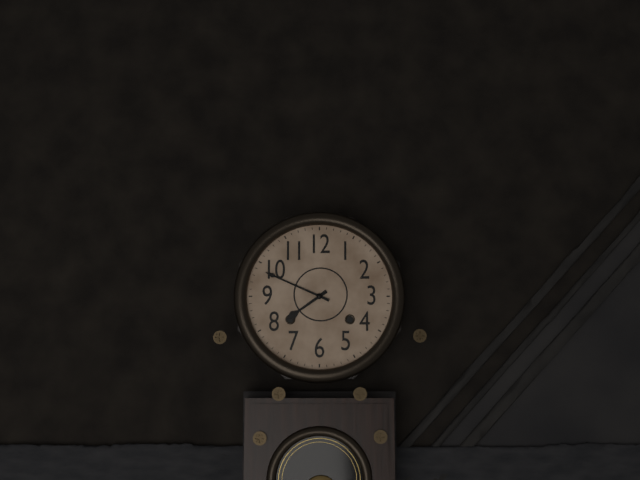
{"hour": 7, "minute": 49}
